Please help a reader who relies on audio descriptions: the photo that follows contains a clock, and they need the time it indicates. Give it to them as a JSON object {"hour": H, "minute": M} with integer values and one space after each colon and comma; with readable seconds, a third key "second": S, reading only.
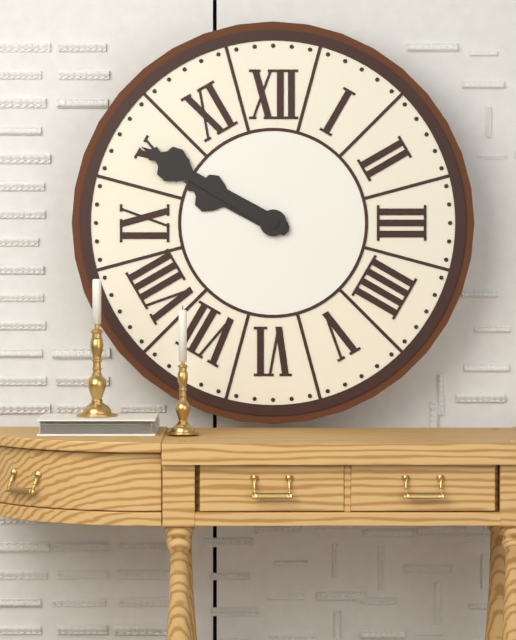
{"hour": 9, "minute": 50}
